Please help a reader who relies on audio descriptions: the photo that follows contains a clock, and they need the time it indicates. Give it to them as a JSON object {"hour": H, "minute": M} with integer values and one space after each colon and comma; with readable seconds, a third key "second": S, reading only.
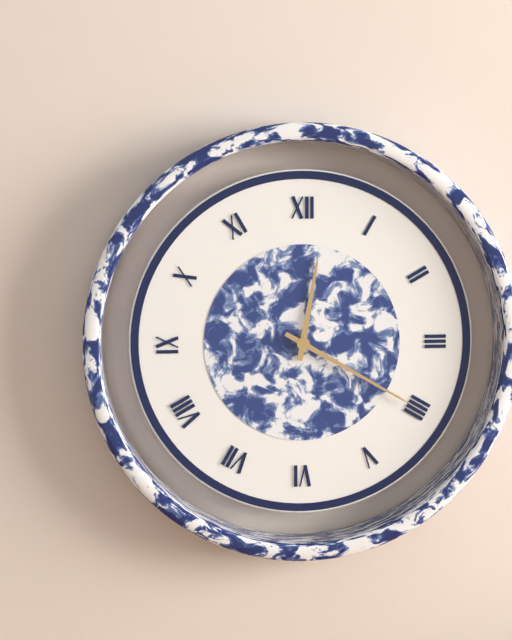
{"hour": 12, "minute": 20}
